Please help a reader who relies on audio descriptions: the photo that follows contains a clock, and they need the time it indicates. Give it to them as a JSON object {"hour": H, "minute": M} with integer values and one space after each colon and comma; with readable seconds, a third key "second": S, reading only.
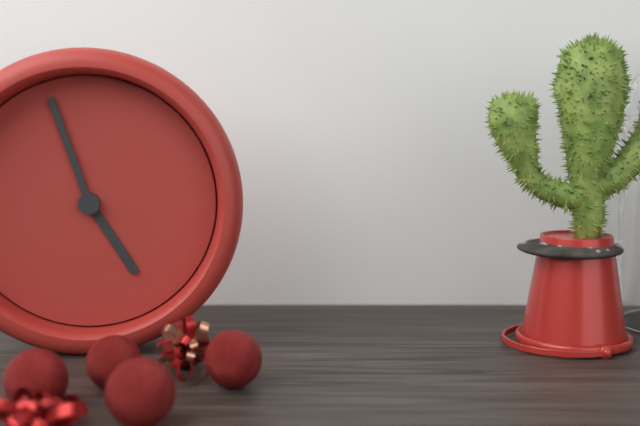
{"hour": 4, "minute": 57}
